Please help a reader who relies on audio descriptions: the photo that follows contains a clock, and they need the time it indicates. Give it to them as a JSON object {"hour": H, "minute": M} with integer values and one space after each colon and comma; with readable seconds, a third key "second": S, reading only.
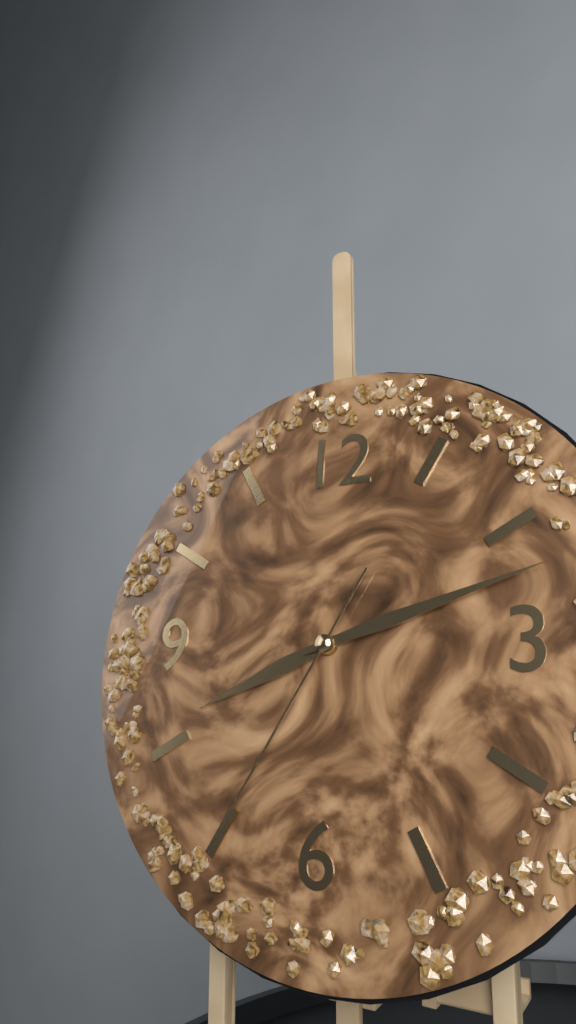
{"hour": 8, "minute": 12, "second": 35}
